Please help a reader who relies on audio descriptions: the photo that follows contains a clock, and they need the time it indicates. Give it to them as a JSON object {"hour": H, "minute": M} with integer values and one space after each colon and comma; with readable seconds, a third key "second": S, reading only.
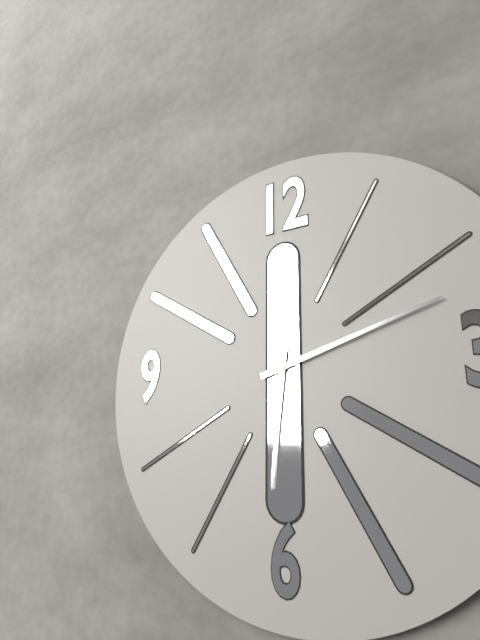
{"hour": 6, "minute": 12}
